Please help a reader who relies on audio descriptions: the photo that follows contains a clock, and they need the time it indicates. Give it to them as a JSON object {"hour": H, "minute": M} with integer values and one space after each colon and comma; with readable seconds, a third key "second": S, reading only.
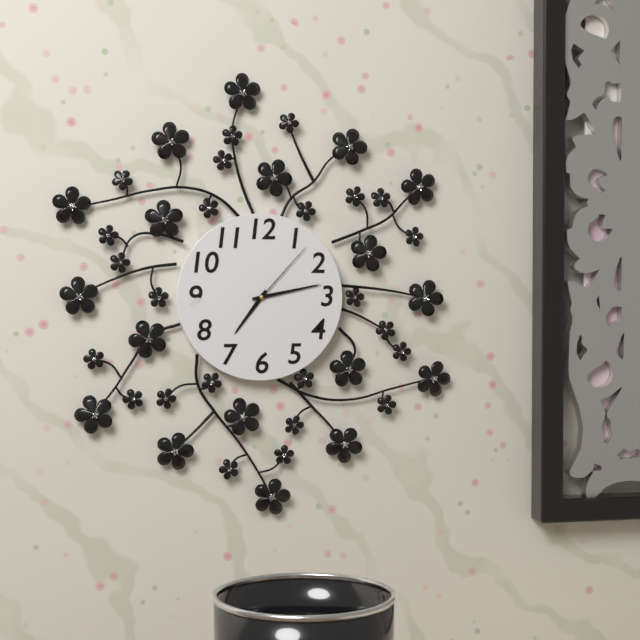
{"hour": 7, "minute": 13, "second": 7}
